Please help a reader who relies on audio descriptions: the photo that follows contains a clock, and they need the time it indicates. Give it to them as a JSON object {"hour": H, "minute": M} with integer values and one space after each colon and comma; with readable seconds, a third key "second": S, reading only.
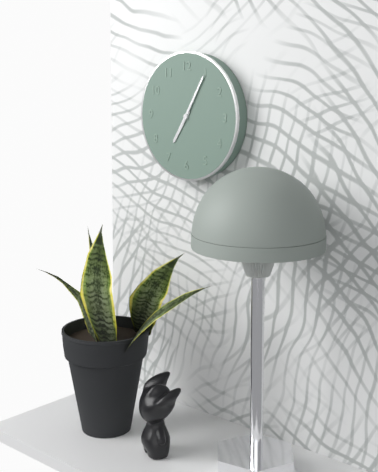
{"hour": 7, "minute": 5}
